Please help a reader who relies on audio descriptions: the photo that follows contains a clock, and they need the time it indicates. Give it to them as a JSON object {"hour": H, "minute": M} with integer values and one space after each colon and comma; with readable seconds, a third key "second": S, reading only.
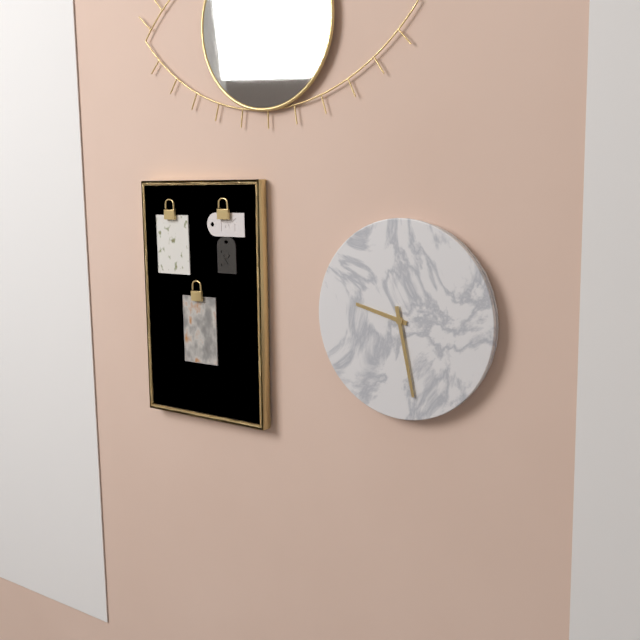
{"hour": 9, "minute": 28}
